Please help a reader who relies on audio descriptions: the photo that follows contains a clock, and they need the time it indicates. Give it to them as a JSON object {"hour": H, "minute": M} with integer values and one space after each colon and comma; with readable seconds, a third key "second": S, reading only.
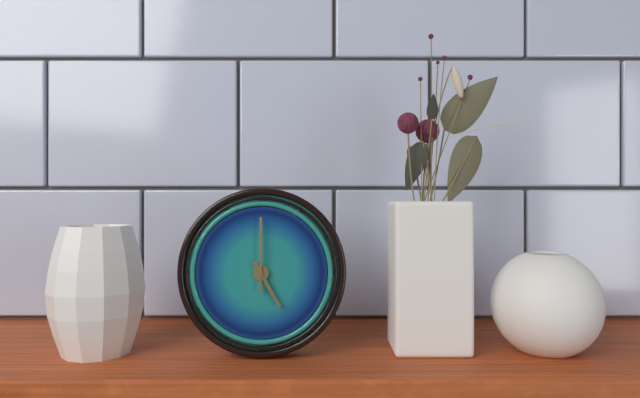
{"hour": 5, "minute": 0}
